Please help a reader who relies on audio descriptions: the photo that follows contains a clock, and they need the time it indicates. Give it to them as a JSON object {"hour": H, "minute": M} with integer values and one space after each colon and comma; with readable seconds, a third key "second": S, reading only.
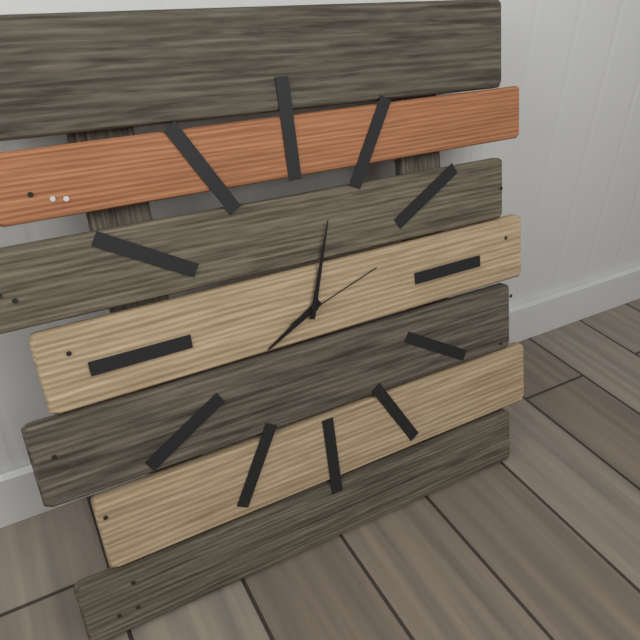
{"hour": 8, "minute": 3, "second": 12}
